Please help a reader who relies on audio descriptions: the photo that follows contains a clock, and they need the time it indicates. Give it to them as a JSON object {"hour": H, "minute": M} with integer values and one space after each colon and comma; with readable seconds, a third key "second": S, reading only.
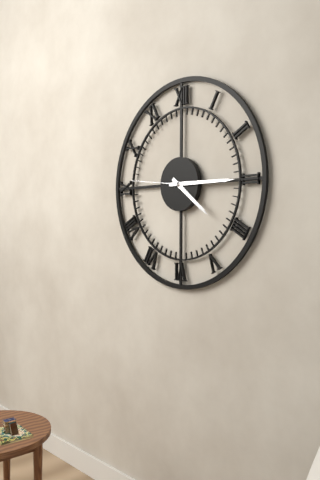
{"hour": 4, "minute": 15, "second": 46}
